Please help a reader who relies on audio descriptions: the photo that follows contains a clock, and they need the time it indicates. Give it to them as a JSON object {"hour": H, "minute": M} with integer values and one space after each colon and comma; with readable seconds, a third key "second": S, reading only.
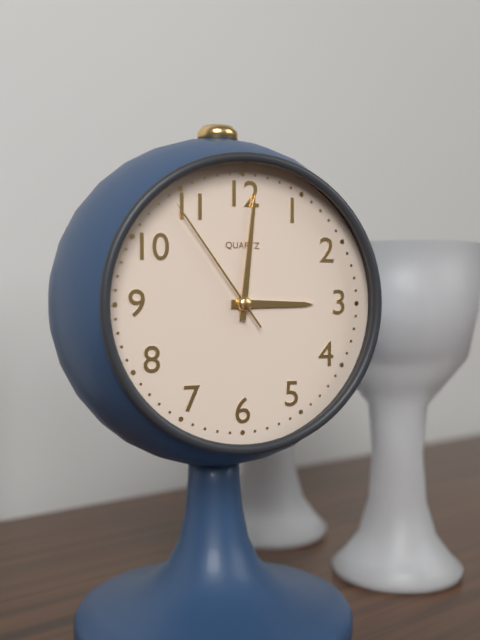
{"hour": 3, "minute": 1, "second": 54}
